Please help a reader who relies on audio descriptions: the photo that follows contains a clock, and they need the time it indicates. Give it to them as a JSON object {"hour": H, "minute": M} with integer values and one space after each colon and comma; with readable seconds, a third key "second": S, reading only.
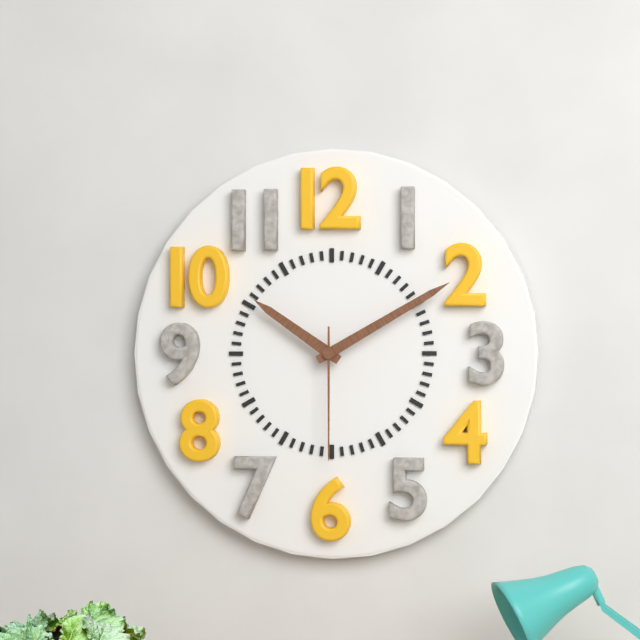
{"hour": 10, "minute": 10, "second": 30}
